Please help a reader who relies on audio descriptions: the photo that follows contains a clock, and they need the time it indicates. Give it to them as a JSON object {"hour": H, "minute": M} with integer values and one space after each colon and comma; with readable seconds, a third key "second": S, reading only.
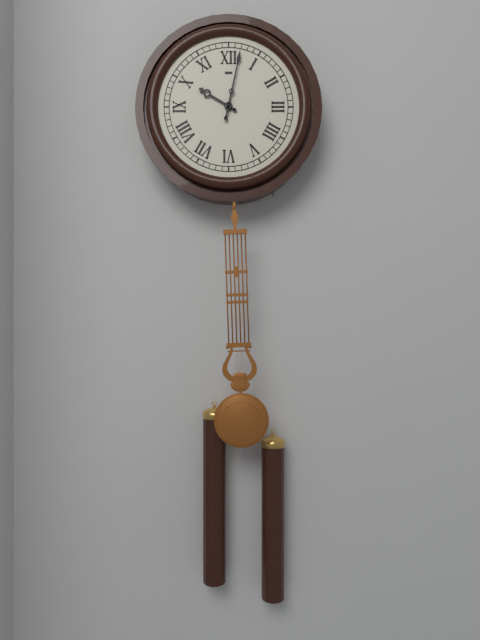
{"hour": 10, "minute": 2}
